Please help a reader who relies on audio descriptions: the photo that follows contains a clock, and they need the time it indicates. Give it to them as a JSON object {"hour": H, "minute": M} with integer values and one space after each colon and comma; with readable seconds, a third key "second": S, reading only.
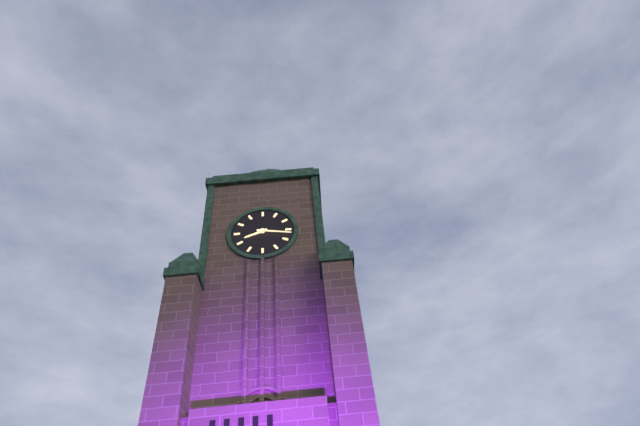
{"hour": 8, "minute": 17}
